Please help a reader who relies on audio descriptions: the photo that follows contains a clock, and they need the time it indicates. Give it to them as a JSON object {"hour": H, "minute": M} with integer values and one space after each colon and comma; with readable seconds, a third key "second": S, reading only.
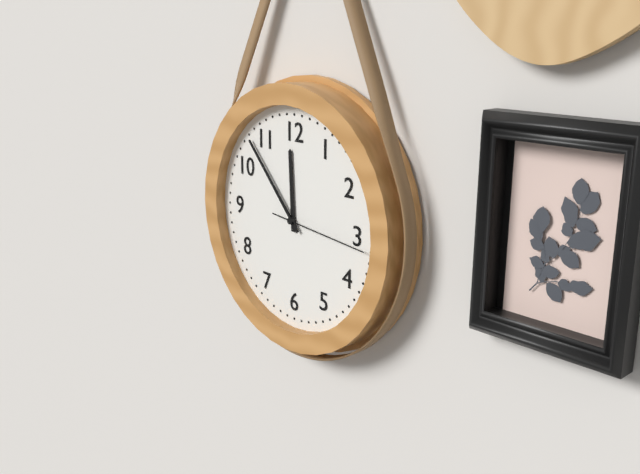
{"hour": 11, "minute": 53, "second": 16}
